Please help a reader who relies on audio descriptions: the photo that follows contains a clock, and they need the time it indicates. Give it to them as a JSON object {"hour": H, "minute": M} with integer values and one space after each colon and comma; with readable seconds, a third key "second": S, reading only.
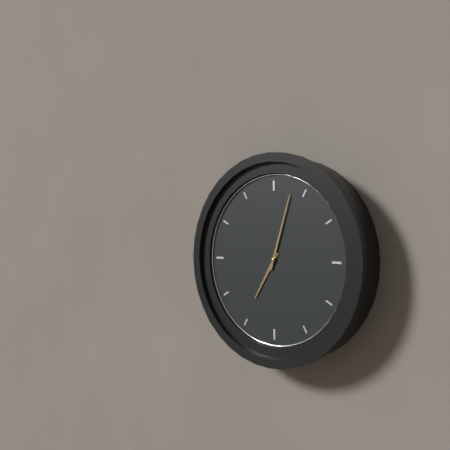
{"hour": 7, "minute": 3}
